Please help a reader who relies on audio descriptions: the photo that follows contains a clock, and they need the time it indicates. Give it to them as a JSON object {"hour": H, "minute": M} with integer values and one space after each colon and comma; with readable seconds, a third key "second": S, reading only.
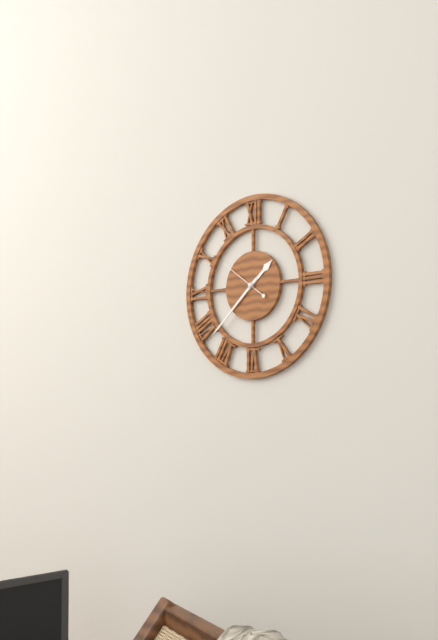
{"hour": 1, "minute": 38}
